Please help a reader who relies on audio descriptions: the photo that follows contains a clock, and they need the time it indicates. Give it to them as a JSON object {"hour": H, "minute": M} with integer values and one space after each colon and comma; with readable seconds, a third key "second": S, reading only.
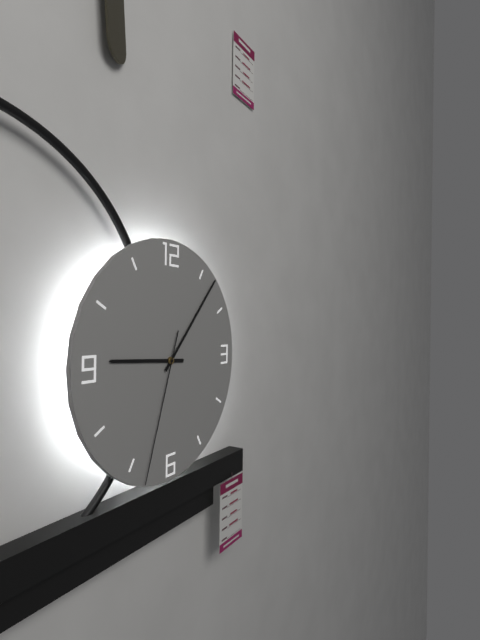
{"hour": 9, "minute": 7, "second": 33}
